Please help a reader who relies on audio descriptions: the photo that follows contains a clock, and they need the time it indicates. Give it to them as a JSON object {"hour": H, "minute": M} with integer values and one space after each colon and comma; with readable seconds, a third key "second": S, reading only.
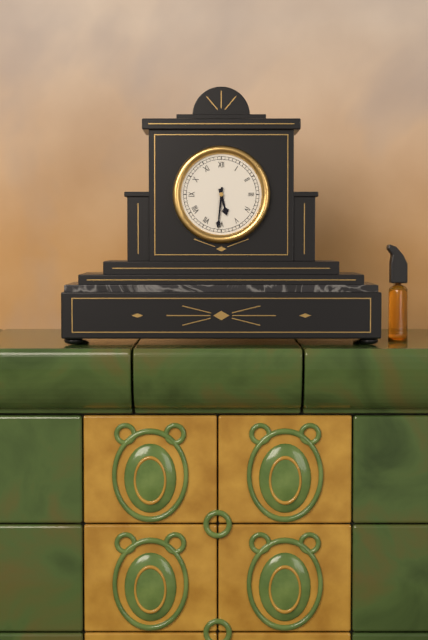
{"hour": 5, "minute": 31}
